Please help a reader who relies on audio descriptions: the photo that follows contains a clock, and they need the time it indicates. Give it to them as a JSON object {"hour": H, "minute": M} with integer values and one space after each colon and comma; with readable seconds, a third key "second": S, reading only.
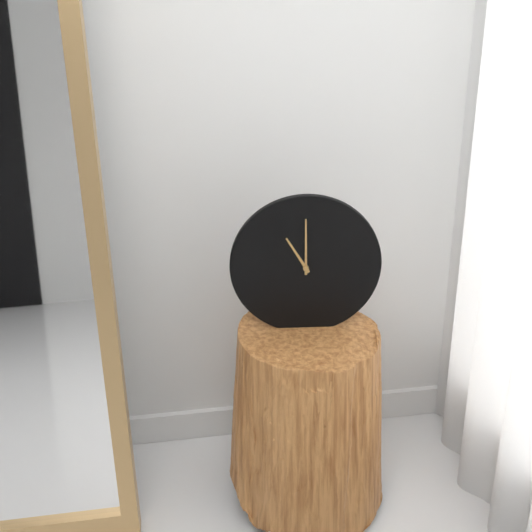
{"hour": 11, "minute": 0}
